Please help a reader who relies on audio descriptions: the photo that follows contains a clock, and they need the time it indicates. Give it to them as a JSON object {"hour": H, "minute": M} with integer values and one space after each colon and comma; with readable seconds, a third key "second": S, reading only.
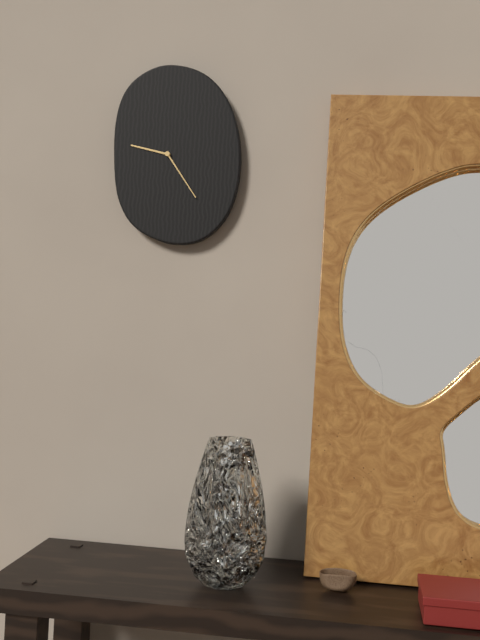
{"hour": 9, "minute": 24}
